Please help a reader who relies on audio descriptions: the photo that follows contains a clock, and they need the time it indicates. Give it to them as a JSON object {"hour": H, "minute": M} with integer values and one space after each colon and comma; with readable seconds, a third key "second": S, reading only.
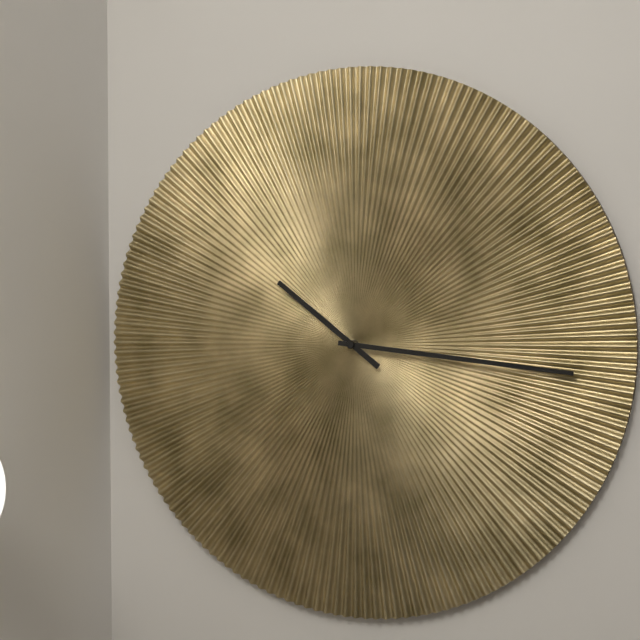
{"hour": 10, "minute": 16}
